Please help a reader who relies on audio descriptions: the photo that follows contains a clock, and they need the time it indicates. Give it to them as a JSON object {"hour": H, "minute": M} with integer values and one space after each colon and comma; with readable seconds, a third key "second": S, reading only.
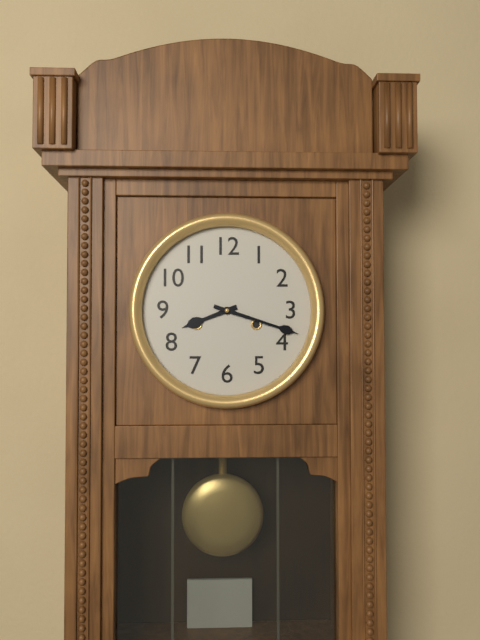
{"hour": 8, "minute": 18}
